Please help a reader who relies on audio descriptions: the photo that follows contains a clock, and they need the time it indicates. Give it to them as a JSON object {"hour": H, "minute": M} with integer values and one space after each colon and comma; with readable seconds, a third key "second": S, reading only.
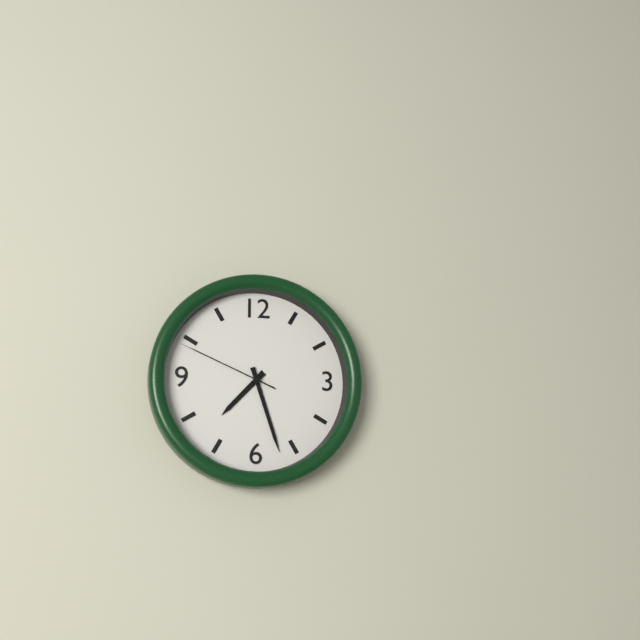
{"hour": 7, "minute": 27, "second": 49}
